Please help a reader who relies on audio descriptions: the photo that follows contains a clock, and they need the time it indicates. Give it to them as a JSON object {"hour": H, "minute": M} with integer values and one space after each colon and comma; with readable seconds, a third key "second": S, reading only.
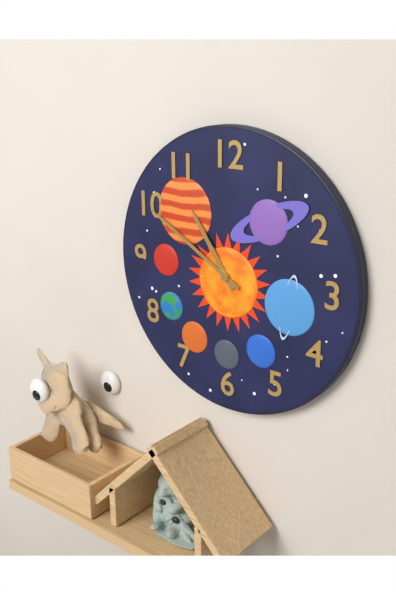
{"hour": 10, "minute": 50}
